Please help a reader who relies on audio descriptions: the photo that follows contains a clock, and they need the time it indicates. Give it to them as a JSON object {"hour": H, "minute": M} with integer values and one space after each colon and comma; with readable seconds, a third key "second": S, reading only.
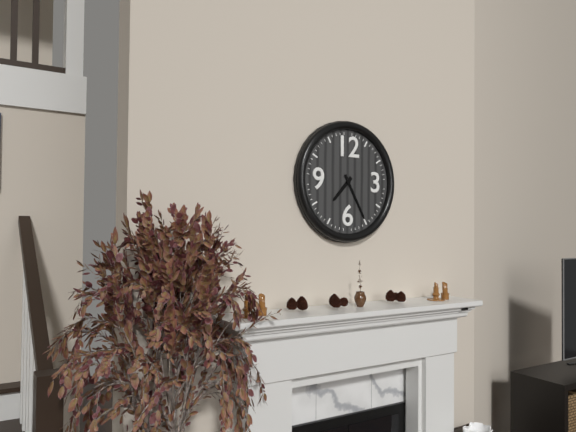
{"hour": 7, "minute": 25}
